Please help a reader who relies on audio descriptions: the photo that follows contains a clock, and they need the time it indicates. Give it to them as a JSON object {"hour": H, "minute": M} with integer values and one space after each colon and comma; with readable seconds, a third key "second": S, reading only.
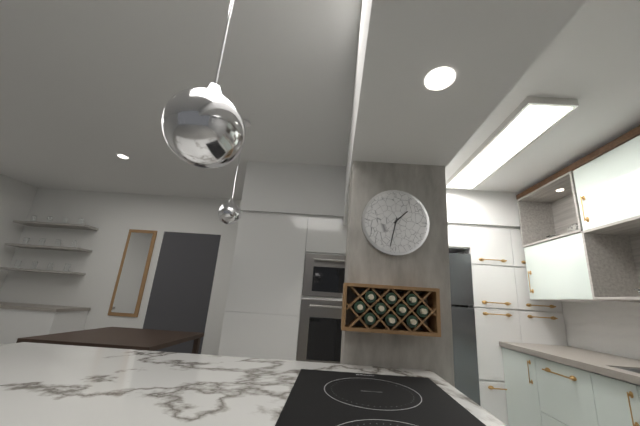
{"hour": 1, "minute": 32}
